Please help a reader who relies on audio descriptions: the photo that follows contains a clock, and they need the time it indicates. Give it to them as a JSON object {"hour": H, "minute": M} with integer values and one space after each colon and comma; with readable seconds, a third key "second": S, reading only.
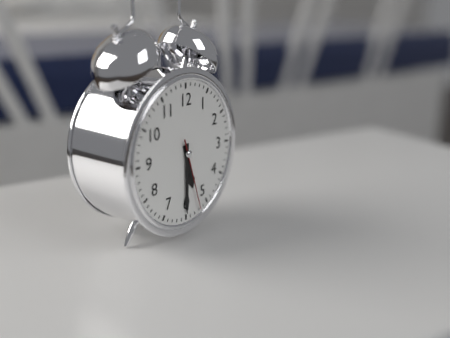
{"hour": 5, "minute": 30, "second": 27}
